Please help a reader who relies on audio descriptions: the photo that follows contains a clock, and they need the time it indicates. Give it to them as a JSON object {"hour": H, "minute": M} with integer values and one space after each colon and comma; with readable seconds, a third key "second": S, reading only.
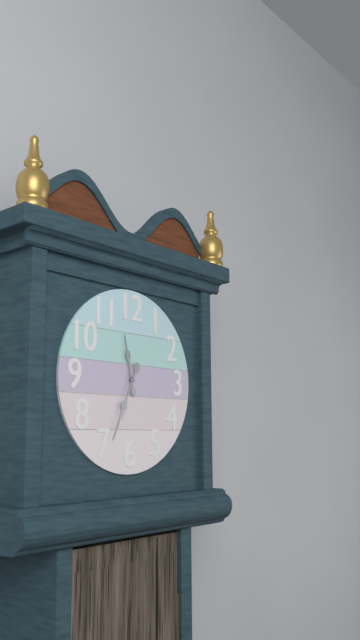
{"hour": 11, "minute": 34}
